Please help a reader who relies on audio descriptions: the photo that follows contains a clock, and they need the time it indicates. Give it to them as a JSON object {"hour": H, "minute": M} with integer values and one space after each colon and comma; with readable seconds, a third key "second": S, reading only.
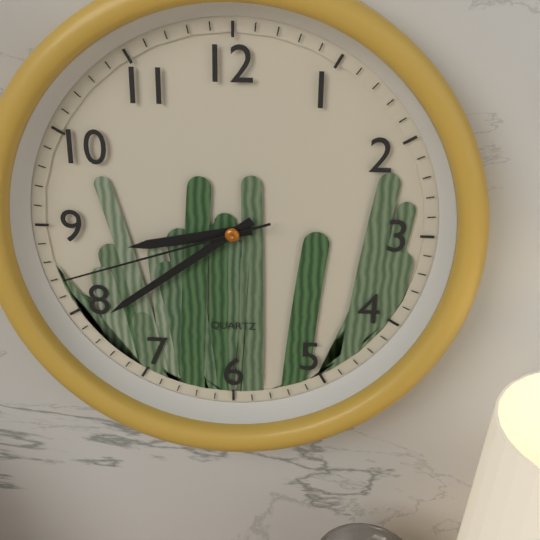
{"hour": 8, "minute": 39, "second": 42}
